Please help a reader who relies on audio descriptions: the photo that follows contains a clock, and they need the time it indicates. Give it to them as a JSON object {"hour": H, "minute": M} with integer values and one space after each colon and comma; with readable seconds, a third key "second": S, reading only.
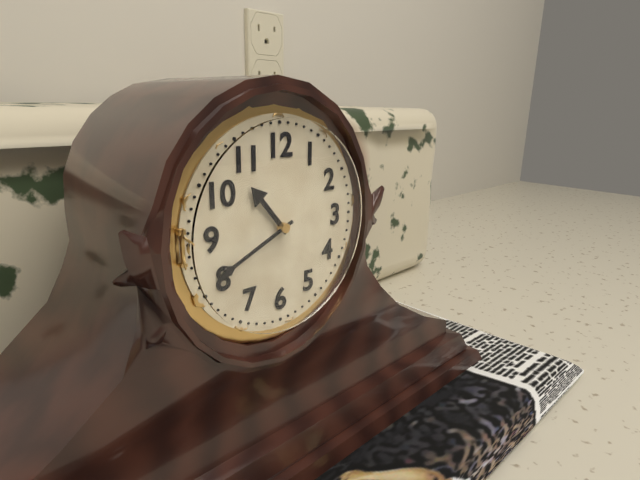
{"hour": 10, "minute": 41}
